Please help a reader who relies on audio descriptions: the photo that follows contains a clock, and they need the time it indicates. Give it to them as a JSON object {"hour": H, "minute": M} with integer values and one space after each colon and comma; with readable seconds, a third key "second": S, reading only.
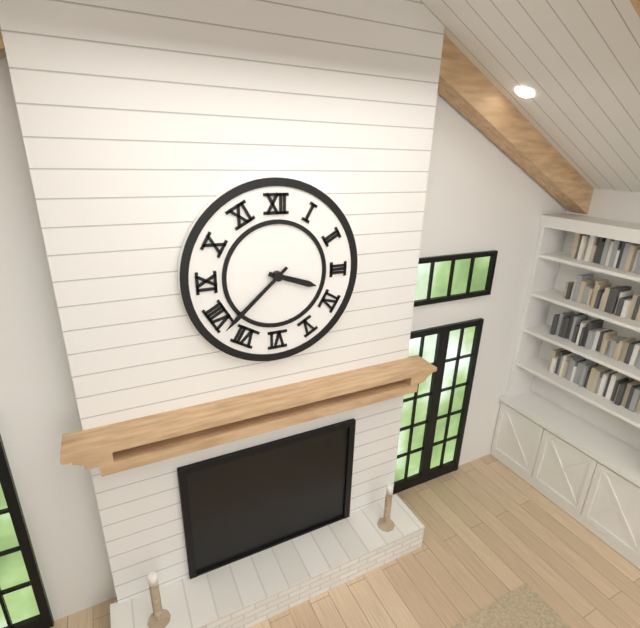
{"hour": 3, "minute": 38}
